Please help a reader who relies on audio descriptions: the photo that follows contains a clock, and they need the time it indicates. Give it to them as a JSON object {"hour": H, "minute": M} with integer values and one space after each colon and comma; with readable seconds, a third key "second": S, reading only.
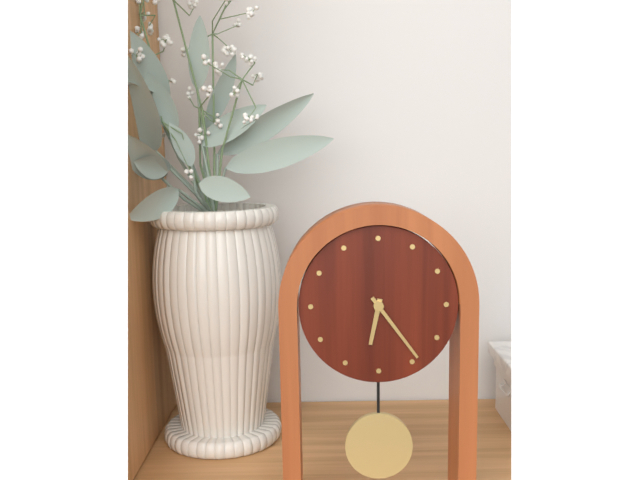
{"hour": 6, "minute": 24}
